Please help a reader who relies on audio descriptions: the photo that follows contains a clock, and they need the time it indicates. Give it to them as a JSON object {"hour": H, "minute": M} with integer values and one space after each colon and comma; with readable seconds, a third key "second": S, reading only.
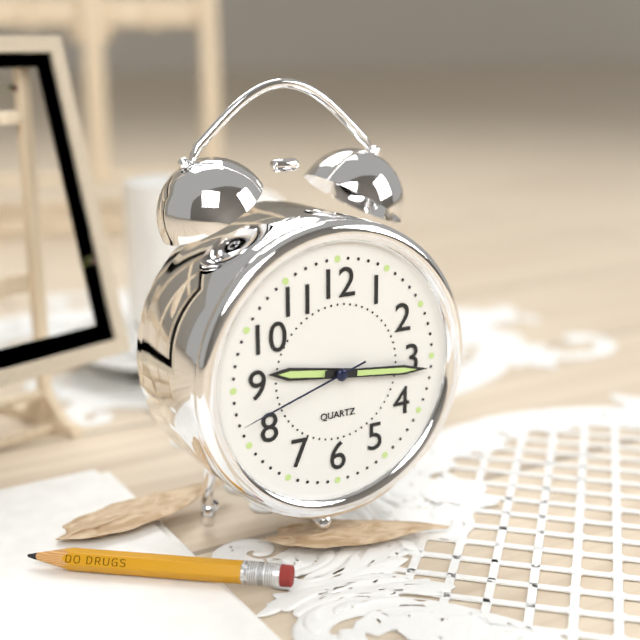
{"hour": 9, "minute": 16, "second": 42}
